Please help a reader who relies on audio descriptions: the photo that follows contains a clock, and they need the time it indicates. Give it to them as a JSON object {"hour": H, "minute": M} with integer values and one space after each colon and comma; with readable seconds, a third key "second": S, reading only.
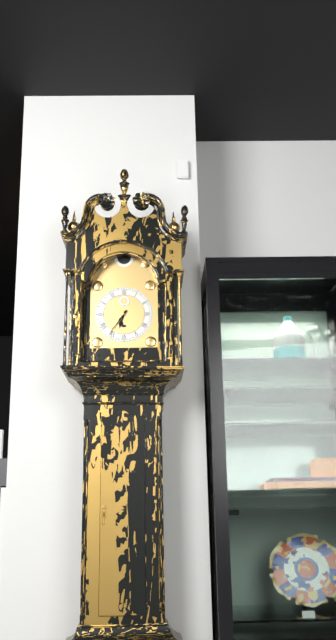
{"hour": 6, "minute": 36}
